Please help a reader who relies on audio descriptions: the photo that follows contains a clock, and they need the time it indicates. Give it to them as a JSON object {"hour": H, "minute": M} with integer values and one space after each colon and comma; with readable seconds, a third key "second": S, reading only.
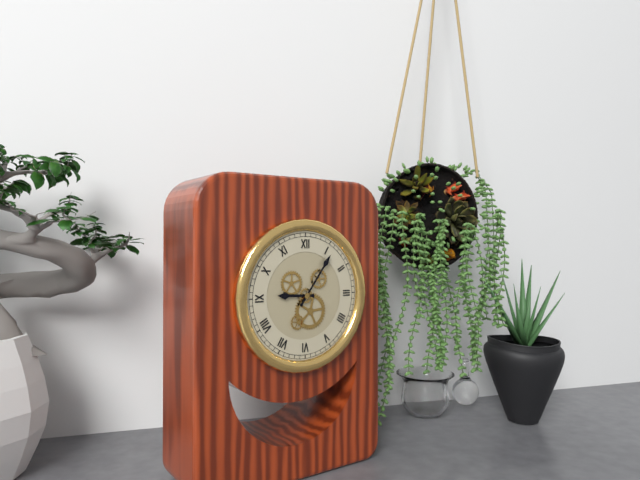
{"hour": 9, "minute": 6}
